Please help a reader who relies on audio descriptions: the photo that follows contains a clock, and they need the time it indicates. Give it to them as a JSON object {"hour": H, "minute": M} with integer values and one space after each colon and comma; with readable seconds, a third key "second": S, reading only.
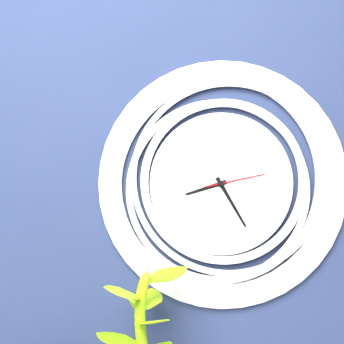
{"hour": 8, "minute": 25, "second": 13}
